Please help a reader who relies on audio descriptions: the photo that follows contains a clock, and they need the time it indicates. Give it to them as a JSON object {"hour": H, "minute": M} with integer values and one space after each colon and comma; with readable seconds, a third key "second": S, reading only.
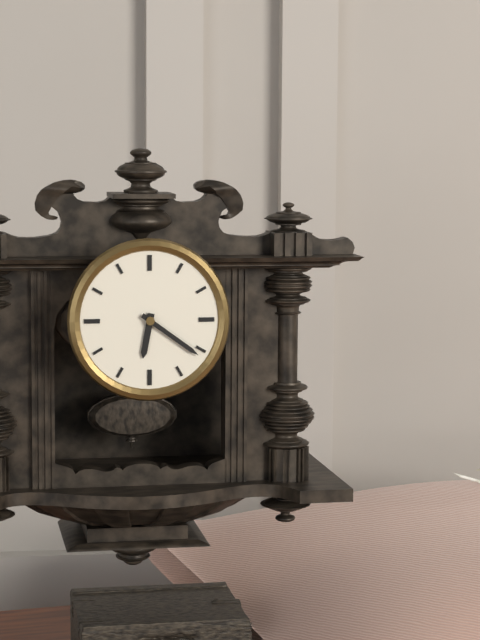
{"hour": 6, "minute": 21}
